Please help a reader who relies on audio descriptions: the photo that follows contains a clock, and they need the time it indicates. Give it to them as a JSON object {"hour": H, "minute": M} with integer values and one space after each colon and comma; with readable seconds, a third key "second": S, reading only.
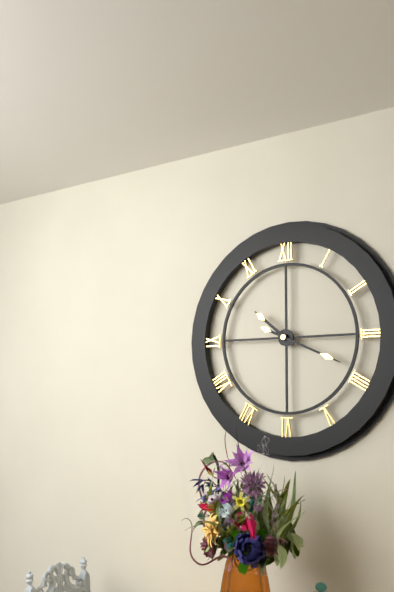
{"hour": 10, "minute": 19}
